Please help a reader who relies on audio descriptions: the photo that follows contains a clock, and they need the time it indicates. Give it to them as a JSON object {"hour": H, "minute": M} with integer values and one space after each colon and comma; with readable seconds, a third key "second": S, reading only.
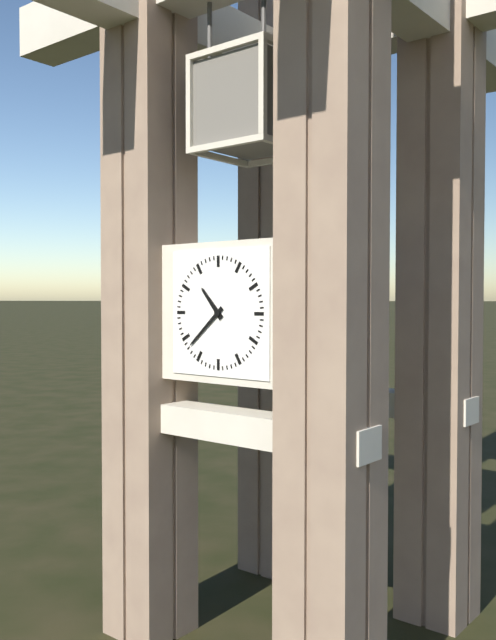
{"hour": 10, "minute": 38}
